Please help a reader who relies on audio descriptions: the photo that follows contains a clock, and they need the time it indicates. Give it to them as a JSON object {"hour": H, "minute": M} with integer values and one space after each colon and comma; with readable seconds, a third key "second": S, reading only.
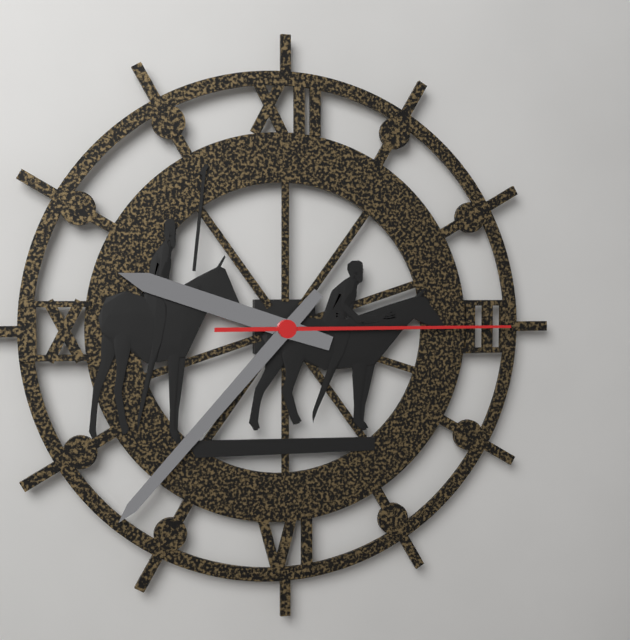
{"hour": 9, "minute": 37, "second": 15}
